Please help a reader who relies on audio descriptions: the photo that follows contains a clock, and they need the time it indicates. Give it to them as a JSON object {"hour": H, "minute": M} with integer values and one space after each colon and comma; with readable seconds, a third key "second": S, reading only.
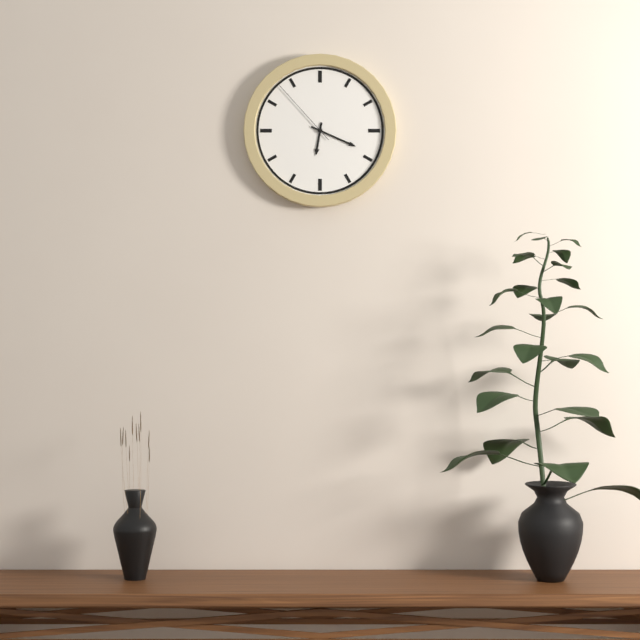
{"hour": 6, "minute": 19, "second": 53}
